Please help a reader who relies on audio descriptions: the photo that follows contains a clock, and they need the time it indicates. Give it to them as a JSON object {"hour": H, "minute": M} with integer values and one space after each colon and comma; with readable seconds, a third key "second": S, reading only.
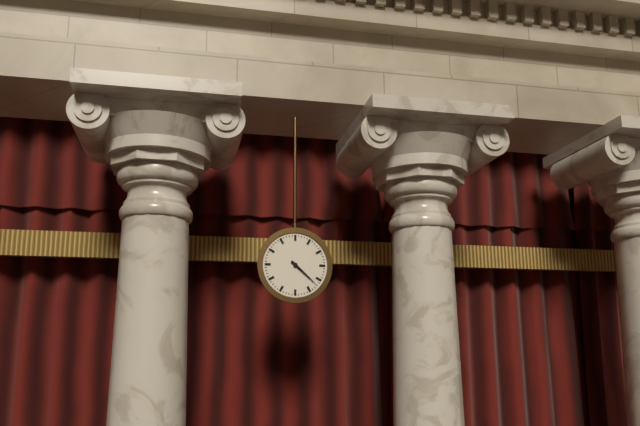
{"hour": 4, "minute": 22}
